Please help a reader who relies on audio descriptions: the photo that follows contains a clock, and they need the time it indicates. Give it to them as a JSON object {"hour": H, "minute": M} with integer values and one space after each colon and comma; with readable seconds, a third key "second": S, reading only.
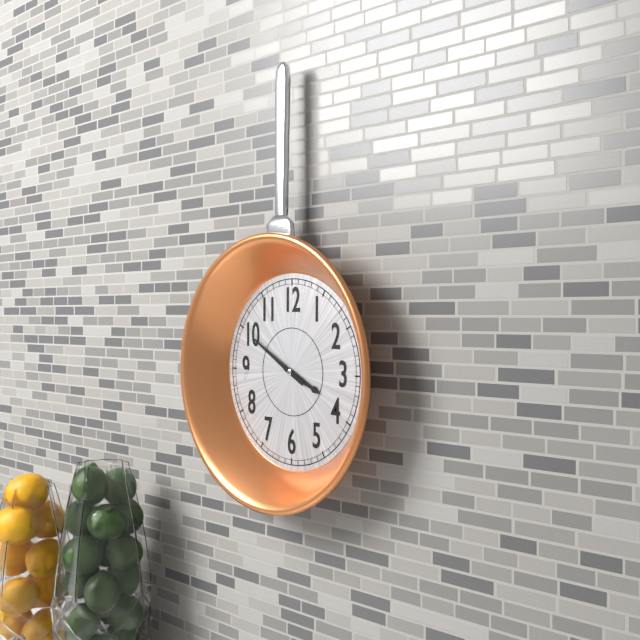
{"hour": 3, "minute": 50}
